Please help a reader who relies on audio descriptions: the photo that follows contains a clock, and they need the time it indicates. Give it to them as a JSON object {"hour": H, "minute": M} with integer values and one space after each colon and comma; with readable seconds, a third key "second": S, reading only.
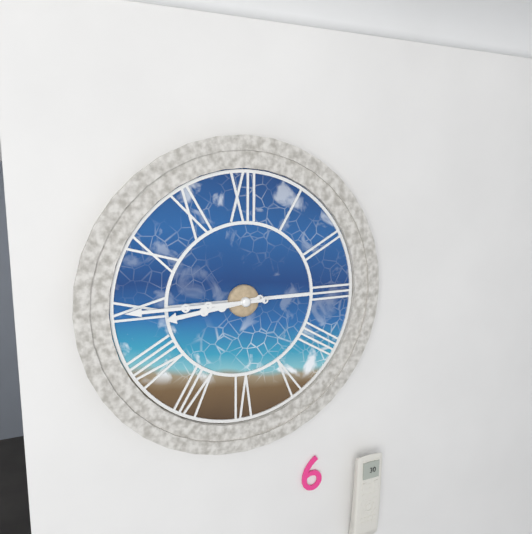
{"hour": 8, "minute": 45}
